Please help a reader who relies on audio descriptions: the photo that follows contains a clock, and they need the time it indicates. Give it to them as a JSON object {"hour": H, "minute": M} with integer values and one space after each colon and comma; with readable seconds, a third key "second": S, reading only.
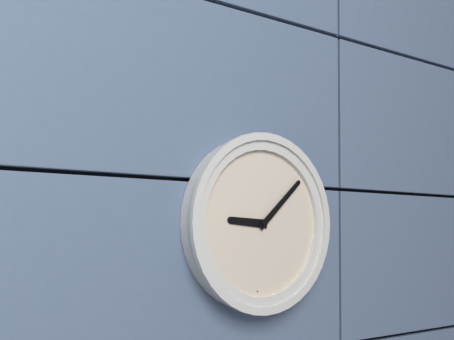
{"hour": 9, "minute": 8}
